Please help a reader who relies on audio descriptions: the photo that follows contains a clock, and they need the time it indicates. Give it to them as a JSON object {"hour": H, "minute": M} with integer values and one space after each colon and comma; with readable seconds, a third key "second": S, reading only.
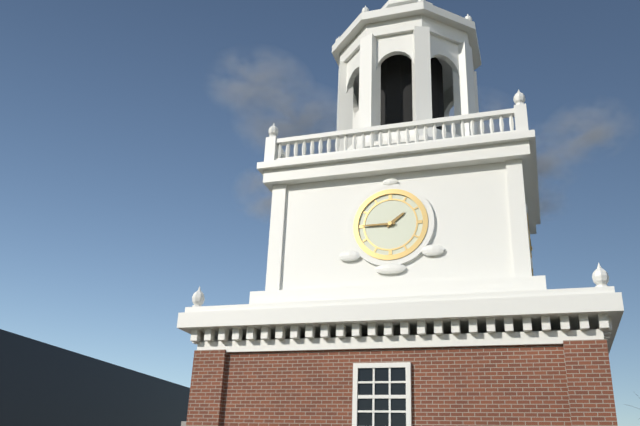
{"hour": 1, "minute": 45}
